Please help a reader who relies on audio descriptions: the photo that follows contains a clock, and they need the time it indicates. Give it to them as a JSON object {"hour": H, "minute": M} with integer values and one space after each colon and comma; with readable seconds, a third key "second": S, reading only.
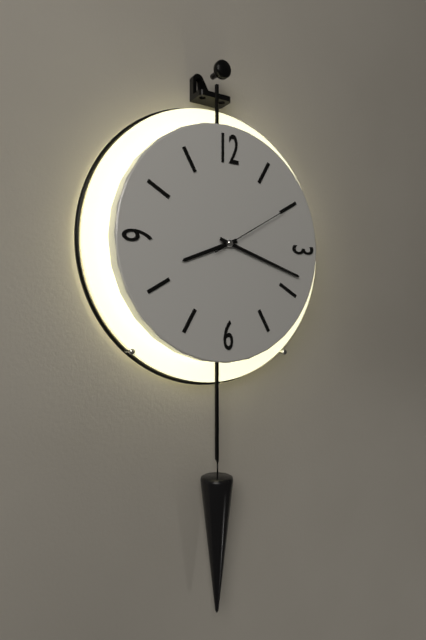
{"hour": 8, "minute": 18, "second": 10}
